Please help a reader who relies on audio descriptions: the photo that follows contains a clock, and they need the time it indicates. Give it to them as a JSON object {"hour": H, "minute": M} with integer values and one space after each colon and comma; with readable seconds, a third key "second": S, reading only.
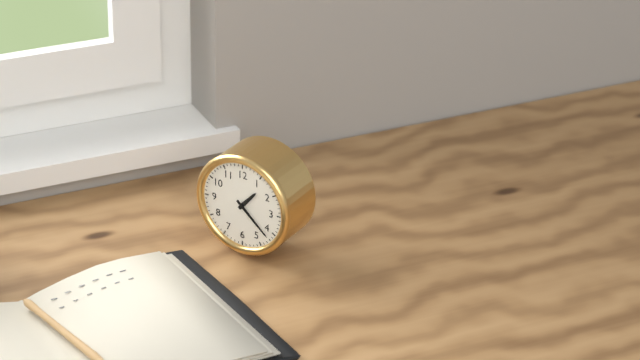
{"hour": 1, "minute": 22}
